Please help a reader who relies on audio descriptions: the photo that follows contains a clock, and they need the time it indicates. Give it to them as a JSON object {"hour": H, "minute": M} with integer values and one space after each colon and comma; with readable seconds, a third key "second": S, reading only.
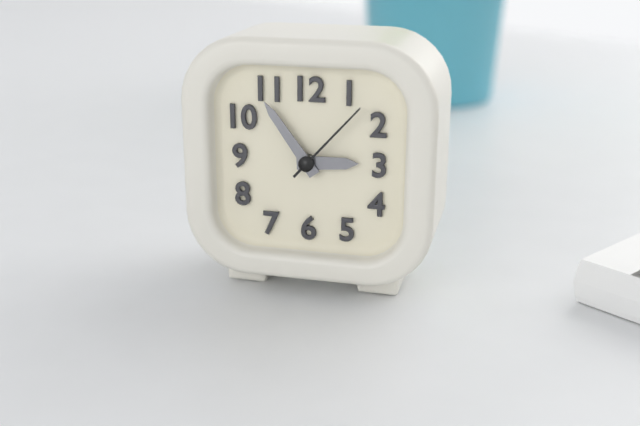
{"hour": 2, "minute": 54, "second": 7}
